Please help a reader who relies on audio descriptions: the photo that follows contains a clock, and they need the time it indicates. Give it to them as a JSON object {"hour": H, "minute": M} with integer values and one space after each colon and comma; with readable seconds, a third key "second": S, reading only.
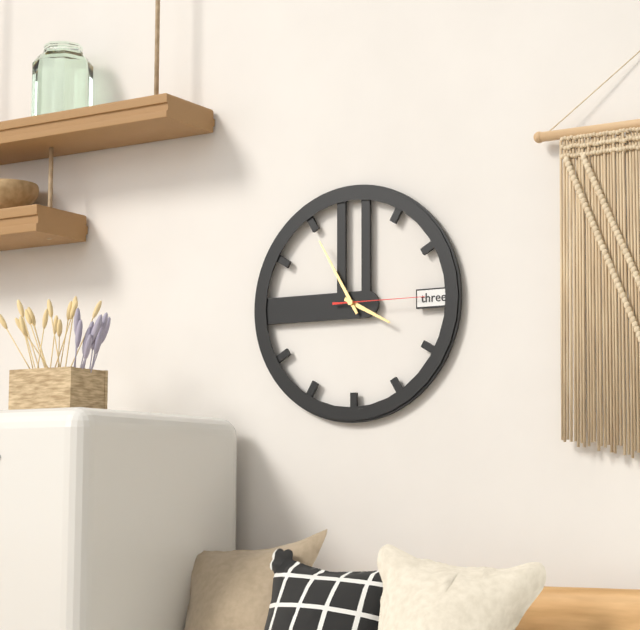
{"hour": 3, "minute": 55, "second": 15}
